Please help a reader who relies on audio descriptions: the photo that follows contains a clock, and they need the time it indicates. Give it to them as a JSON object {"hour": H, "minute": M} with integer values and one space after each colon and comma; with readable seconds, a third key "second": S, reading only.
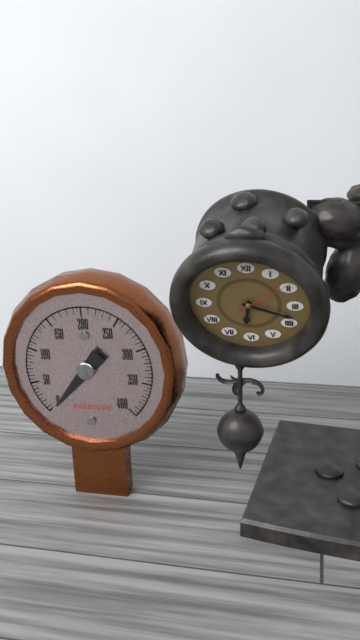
{"hour": 6, "minute": 18, "second": 9}
